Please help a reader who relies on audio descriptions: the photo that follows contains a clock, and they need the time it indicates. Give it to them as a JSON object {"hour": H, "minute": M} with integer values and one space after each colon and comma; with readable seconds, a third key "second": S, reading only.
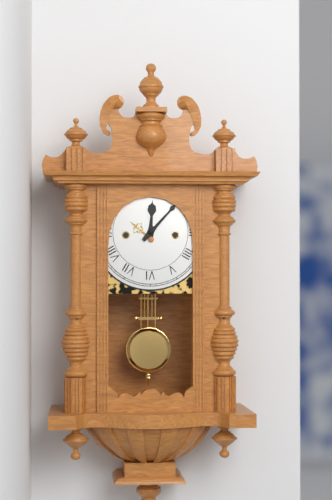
{"hour": 12, "minute": 7}
